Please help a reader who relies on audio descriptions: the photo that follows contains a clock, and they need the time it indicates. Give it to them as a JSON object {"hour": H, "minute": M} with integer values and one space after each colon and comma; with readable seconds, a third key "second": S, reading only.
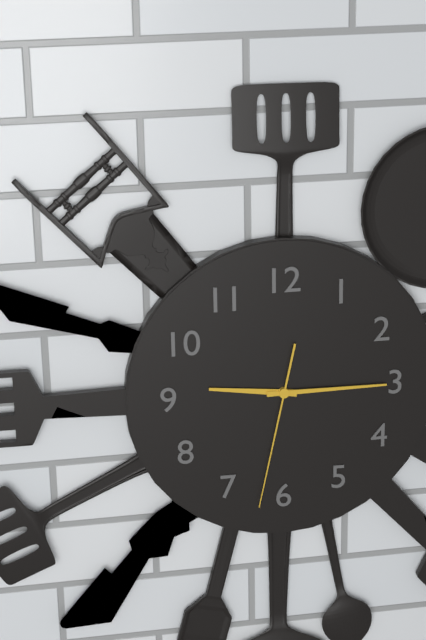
{"hour": 9, "minute": 15, "second": 32}
